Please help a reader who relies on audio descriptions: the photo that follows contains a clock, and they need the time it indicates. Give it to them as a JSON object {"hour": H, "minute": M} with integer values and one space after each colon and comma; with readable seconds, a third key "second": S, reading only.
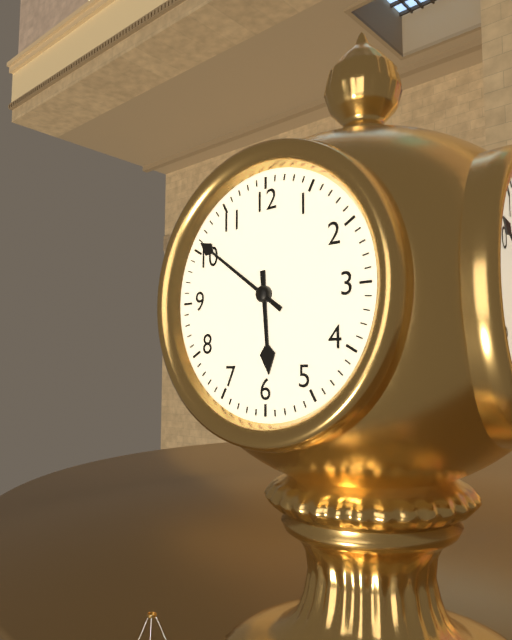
{"hour": 5, "minute": 51}
